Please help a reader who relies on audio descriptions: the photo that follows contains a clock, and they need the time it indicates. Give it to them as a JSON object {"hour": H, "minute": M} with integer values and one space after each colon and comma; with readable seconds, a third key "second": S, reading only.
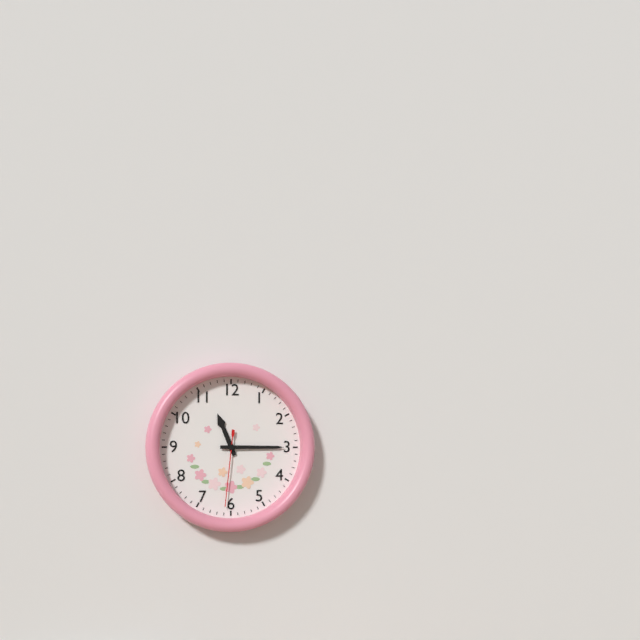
{"hour": 11, "minute": 15, "second": 31}
